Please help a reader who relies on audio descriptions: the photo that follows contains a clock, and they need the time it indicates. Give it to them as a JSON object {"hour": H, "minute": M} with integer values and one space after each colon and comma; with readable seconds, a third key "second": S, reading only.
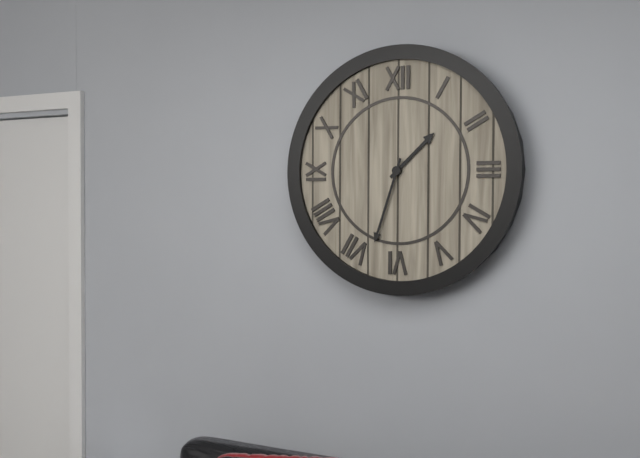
{"hour": 1, "minute": 33}
